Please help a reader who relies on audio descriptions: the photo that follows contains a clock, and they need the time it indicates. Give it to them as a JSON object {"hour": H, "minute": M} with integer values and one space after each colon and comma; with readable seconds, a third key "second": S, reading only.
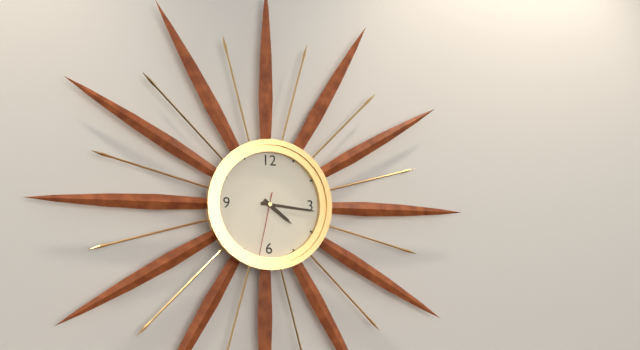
{"hour": 4, "minute": 16, "second": 32}
